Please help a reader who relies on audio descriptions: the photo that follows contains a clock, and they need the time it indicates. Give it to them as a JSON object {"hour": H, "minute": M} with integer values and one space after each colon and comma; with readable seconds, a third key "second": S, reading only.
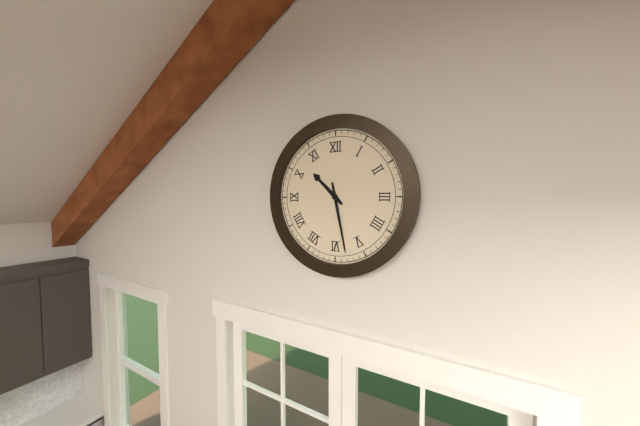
{"hour": 10, "minute": 28}
